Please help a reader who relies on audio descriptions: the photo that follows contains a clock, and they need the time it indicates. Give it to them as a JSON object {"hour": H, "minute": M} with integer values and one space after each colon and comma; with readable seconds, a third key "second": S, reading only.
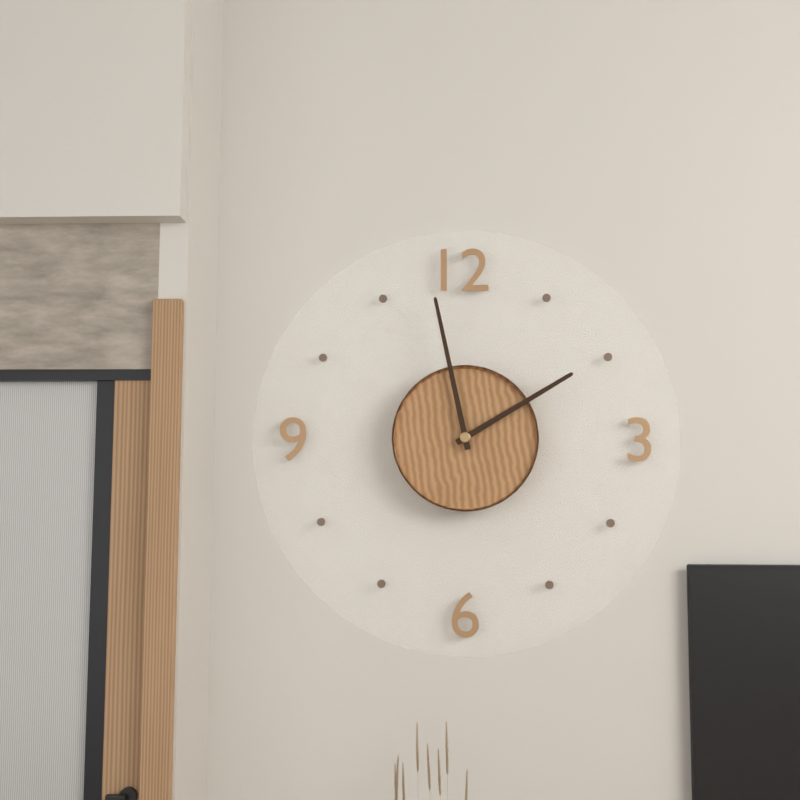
{"hour": 1, "minute": 58}
